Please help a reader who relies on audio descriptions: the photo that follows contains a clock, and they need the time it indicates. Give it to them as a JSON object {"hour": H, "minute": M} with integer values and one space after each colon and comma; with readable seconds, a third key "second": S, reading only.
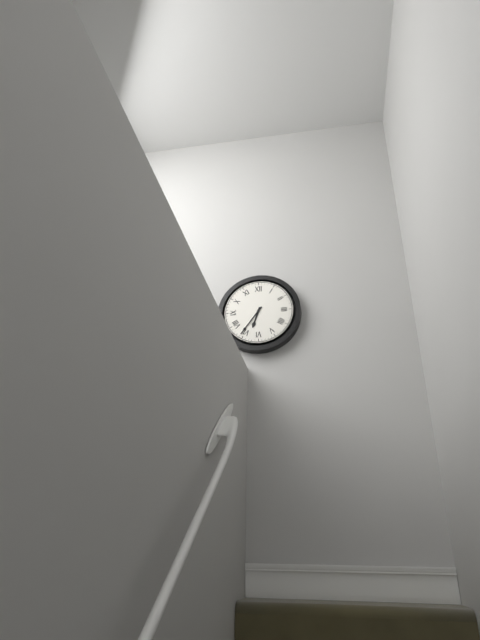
{"hour": 6, "minute": 36}
